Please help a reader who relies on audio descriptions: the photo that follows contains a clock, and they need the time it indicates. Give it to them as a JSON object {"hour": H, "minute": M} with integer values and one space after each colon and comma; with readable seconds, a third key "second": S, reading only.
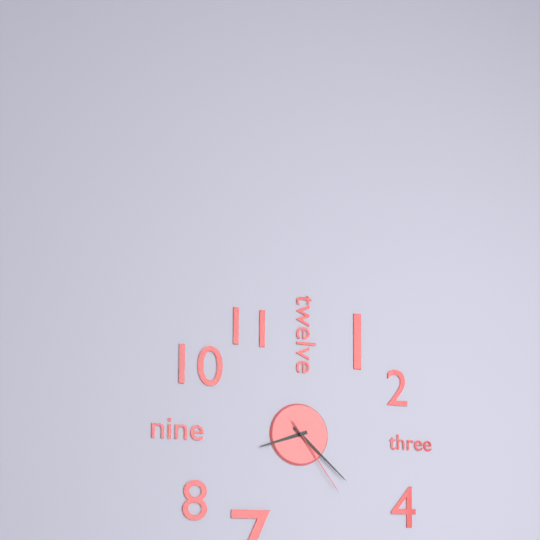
{"hour": 8, "minute": 22, "second": 24}
